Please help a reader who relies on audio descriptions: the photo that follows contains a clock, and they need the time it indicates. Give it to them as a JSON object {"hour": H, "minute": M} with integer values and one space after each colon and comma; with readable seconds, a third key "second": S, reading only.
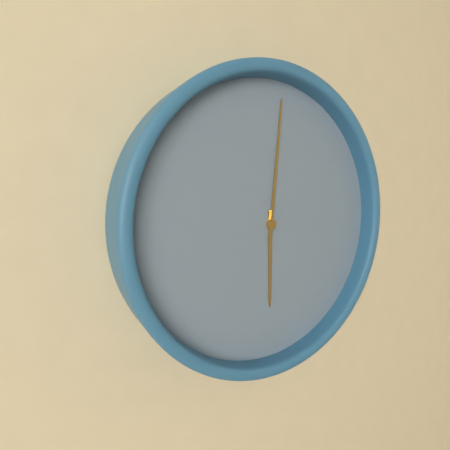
{"hour": 6, "minute": 1}
